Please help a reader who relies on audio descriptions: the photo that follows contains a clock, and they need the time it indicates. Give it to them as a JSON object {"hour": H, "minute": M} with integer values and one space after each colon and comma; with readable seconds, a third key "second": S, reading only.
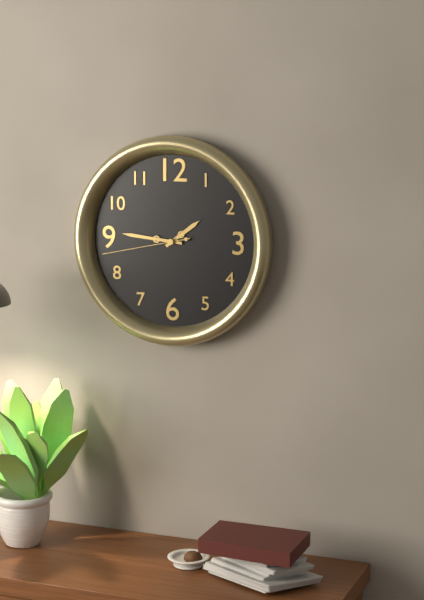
{"hour": 1, "minute": 46, "second": 43}
